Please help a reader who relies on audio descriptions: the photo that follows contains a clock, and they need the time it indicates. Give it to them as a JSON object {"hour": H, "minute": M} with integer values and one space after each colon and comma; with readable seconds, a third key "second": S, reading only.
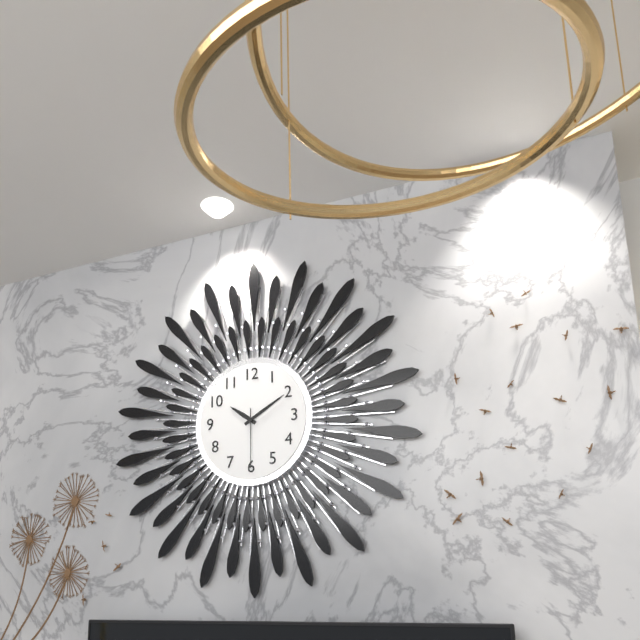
{"hour": 10, "minute": 10, "second": 30}
